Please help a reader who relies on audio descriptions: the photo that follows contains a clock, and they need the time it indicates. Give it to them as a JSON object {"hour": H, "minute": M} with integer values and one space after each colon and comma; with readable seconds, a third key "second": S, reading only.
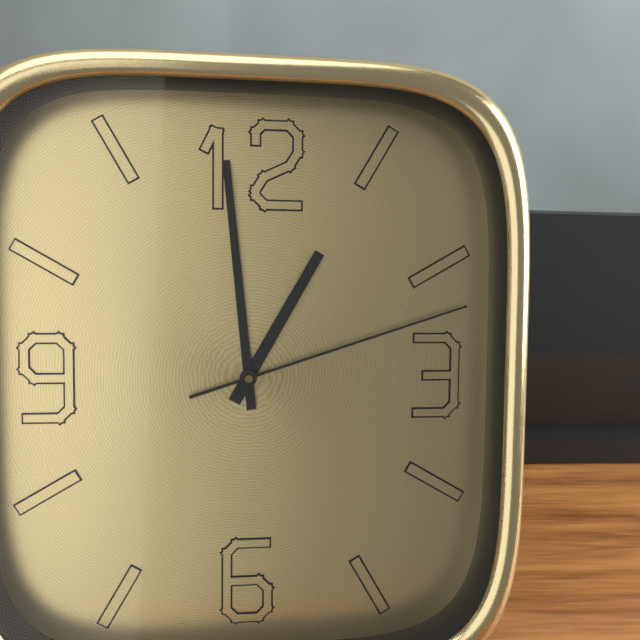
{"hour": 12, "minute": 59, "second": 12}
